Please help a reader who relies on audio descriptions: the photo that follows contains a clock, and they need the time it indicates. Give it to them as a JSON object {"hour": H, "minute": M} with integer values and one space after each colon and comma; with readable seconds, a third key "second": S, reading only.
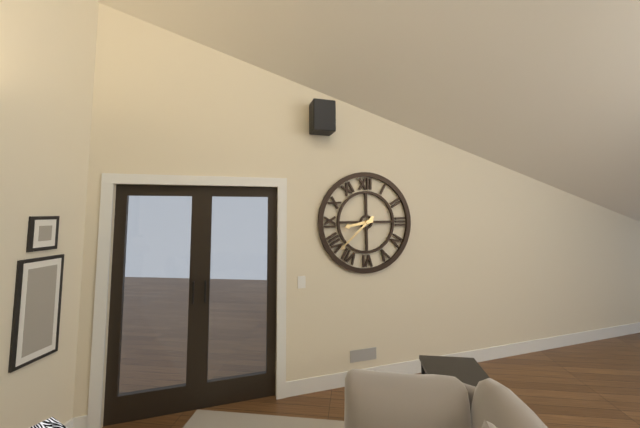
{"hour": 8, "minute": 38}
